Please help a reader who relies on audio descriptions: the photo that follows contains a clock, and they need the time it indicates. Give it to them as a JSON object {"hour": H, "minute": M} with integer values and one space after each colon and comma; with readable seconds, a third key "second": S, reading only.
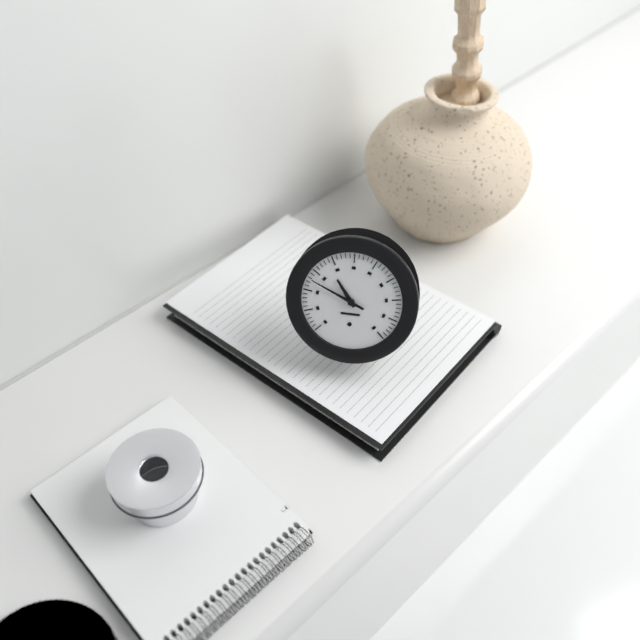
{"hour": 10, "minute": 49}
